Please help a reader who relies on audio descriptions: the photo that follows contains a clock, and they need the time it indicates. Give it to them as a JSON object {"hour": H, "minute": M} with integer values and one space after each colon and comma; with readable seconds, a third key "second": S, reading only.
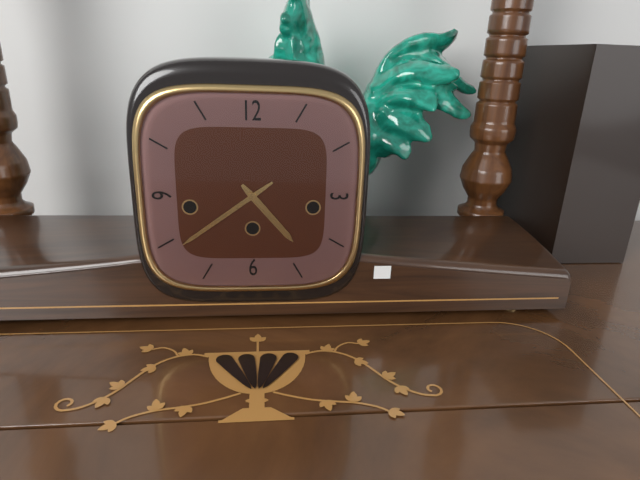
{"hour": 4, "minute": 39}
